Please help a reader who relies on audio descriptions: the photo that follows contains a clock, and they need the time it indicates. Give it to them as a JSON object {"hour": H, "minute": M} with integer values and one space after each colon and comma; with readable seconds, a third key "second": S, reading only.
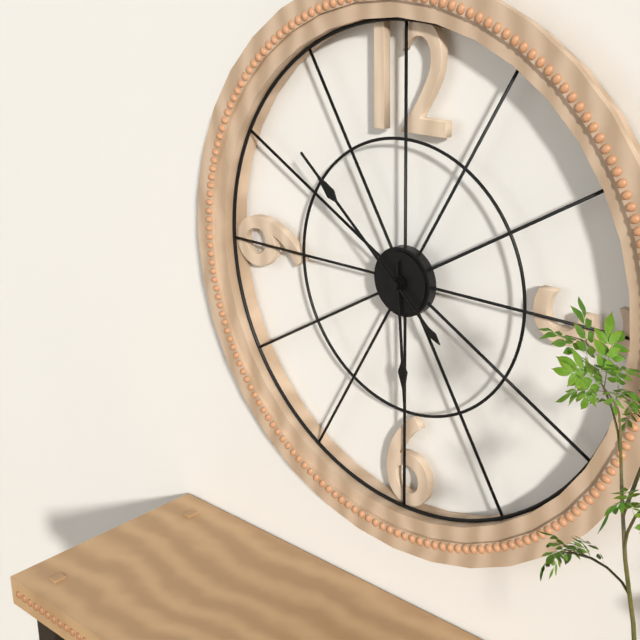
{"hour": 5, "minute": 52}
